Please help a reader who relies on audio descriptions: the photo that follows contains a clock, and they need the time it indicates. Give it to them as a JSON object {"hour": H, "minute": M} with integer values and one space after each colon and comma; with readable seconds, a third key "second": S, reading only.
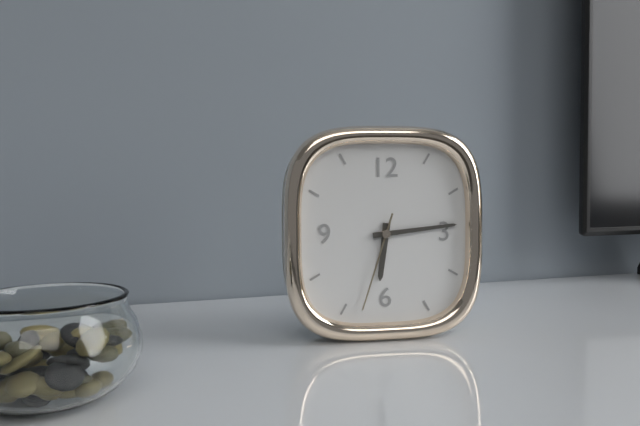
{"hour": 6, "minute": 14, "second": 33}
